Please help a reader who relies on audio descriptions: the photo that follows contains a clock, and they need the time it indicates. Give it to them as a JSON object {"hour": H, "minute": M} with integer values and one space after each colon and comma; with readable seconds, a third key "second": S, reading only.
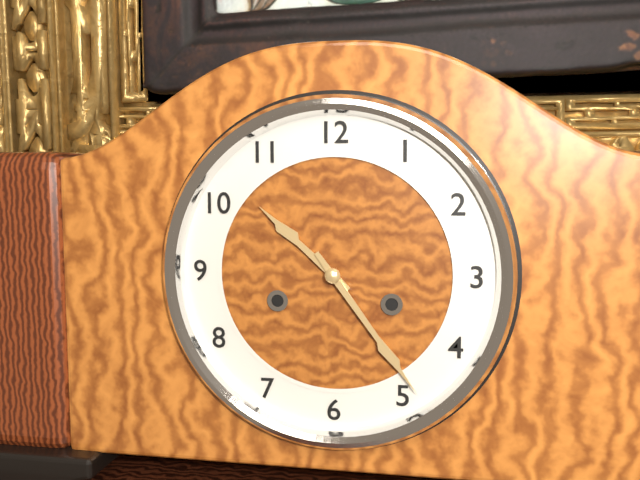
{"hour": 10, "minute": 24}
